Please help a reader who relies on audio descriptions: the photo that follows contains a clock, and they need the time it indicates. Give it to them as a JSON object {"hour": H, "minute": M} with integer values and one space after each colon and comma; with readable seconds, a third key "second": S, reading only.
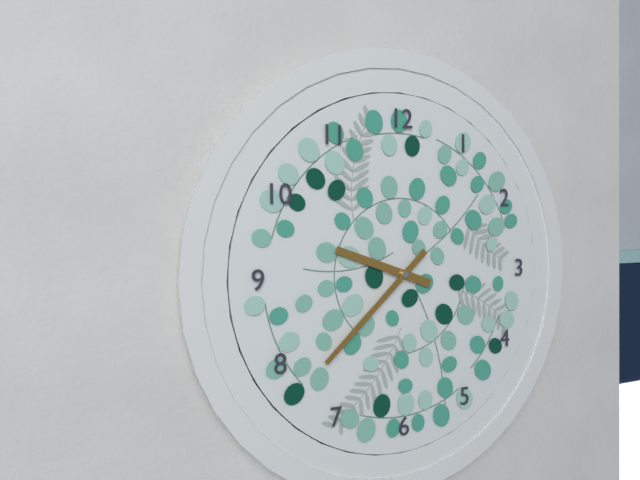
{"hour": 9, "minute": 38}
